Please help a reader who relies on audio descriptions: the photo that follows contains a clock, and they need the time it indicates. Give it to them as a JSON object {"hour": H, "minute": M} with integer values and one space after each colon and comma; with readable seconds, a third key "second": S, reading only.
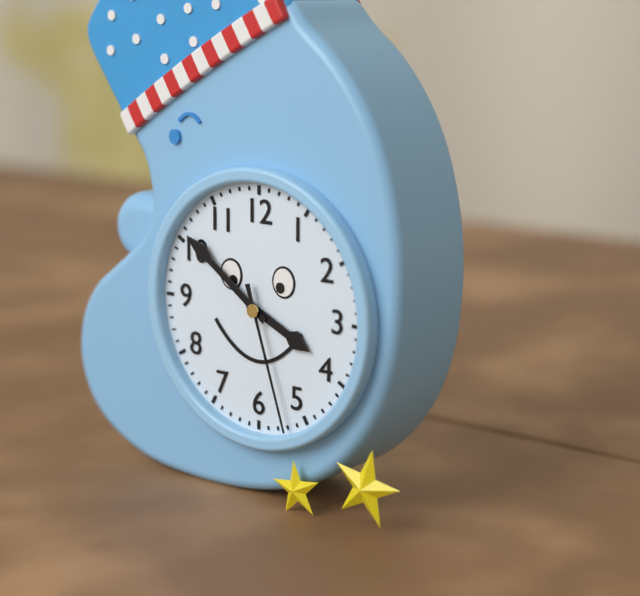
{"hour": 3, "minute": 51, "second": 27}
